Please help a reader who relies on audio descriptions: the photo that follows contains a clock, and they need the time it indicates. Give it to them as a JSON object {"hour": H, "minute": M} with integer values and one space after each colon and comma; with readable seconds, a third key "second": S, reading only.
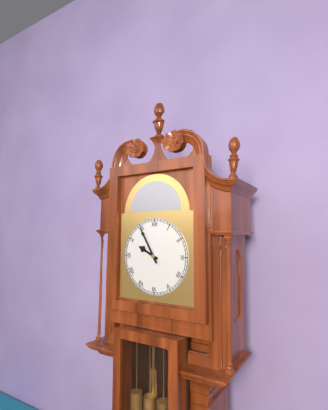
{"hour": 9, "minute": 55}
